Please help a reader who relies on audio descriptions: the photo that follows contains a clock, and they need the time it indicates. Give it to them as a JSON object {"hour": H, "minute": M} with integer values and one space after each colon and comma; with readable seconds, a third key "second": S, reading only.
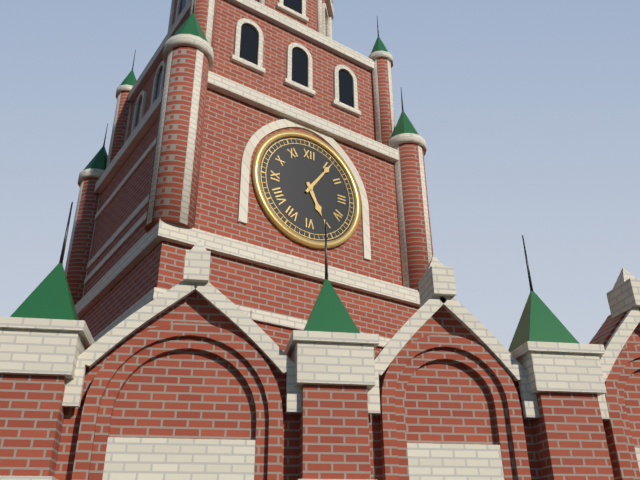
{"hour": 5, "minute": 6}
